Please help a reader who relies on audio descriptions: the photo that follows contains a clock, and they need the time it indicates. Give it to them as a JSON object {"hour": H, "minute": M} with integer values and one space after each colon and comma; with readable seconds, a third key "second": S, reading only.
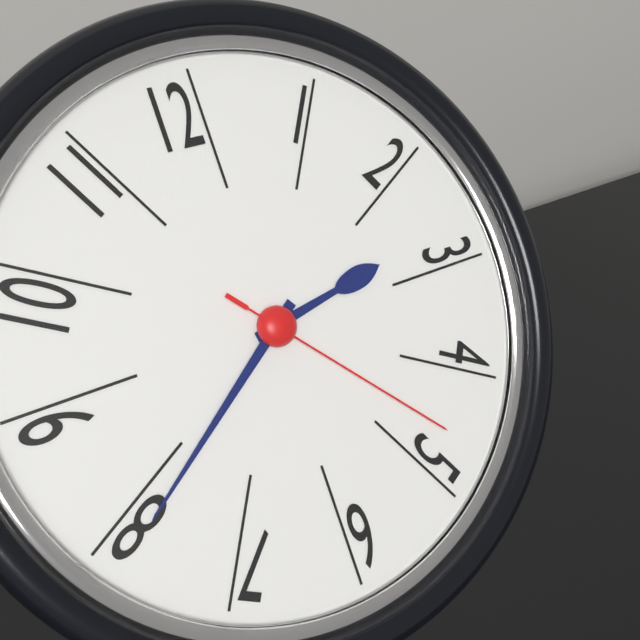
{"hour": 2, "minute": 39, "second": 23}
